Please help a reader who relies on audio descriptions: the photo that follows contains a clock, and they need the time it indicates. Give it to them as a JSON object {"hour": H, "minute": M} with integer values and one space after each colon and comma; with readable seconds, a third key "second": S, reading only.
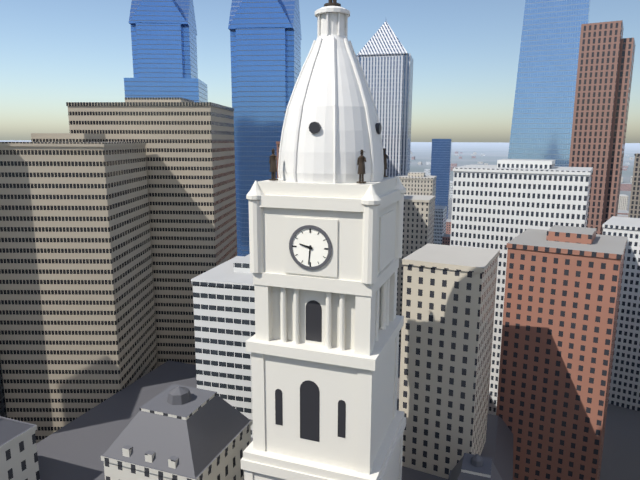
{"hour": 9, "minute": 31}
